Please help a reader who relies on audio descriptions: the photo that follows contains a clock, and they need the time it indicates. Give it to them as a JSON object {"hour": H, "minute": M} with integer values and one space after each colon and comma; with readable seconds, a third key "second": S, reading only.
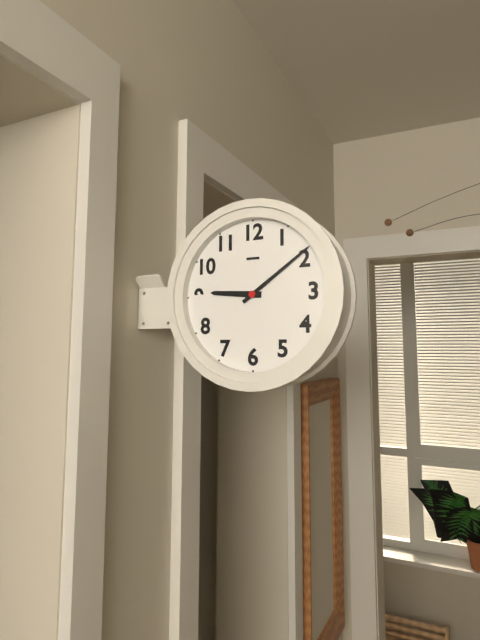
{"hour": 9, "minute": 9}
